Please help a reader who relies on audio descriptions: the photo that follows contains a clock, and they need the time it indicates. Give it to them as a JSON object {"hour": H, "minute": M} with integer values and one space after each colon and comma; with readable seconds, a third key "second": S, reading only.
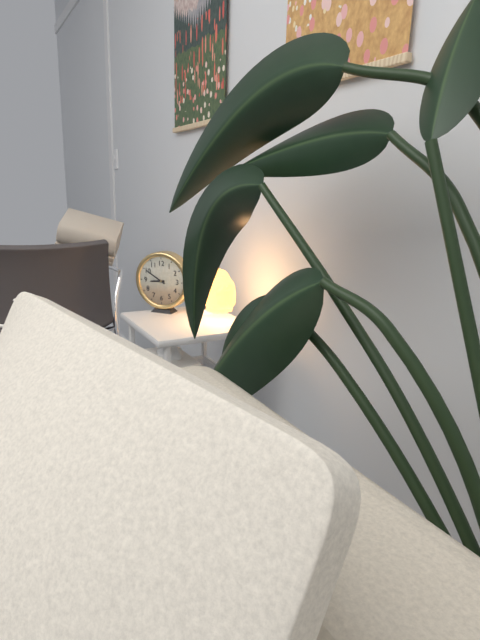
{"hour": 8, "minute": 50}
